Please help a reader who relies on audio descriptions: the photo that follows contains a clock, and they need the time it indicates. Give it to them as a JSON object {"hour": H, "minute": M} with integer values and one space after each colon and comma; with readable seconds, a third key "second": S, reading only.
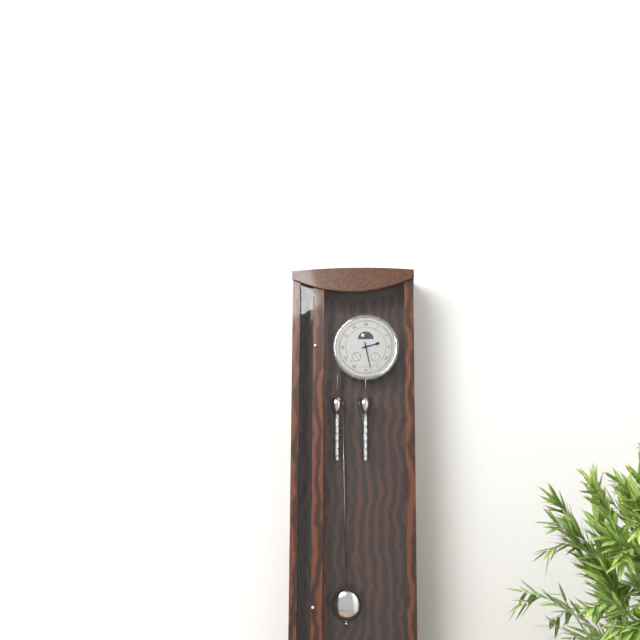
{"hour": 2, "minute": 28}
